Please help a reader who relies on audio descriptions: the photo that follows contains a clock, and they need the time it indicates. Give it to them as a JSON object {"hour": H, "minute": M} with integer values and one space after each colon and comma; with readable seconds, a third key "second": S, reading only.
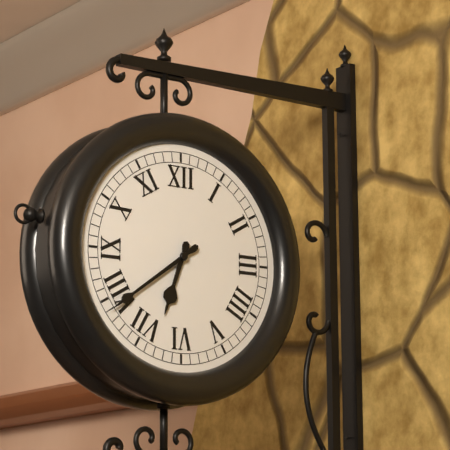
{"hour": 6, "minute": 39}
